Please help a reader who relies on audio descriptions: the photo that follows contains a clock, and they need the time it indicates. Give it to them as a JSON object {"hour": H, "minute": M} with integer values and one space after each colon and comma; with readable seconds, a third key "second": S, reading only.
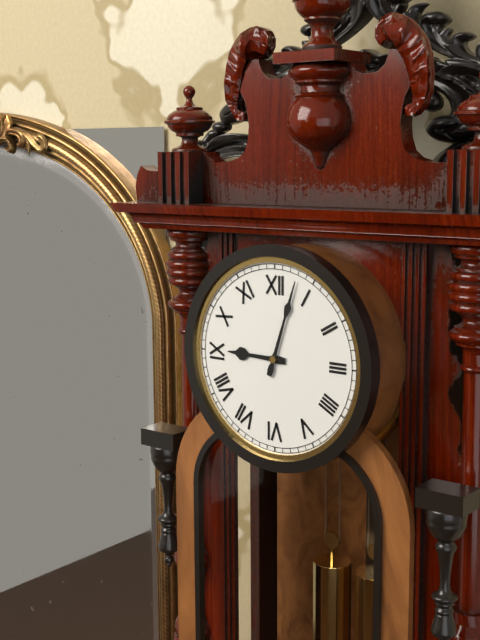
{"hour": 9, "minute": 3}
